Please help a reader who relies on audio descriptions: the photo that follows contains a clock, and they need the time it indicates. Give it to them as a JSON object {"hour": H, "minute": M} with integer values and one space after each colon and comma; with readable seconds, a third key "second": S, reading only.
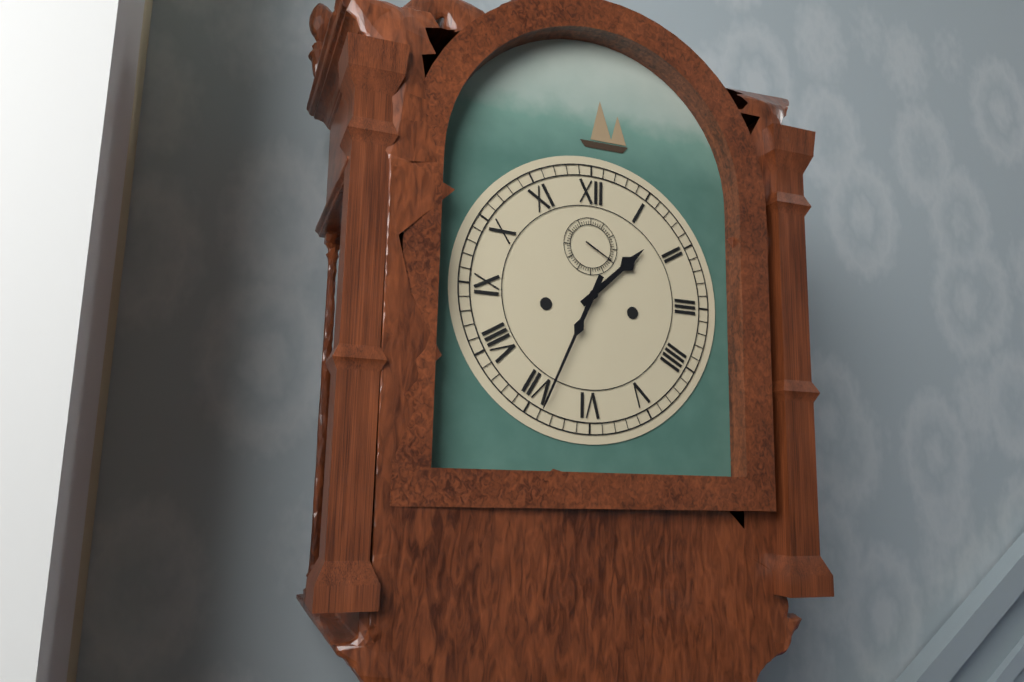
{"hour": 1, "minute": 34}
